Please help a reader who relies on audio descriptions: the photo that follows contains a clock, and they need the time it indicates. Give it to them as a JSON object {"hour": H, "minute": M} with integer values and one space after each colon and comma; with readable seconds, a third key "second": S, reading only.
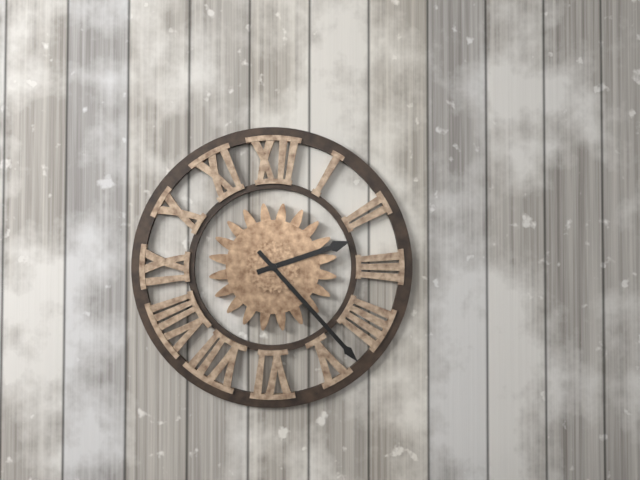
{"hour": 2, "minute": 23}
